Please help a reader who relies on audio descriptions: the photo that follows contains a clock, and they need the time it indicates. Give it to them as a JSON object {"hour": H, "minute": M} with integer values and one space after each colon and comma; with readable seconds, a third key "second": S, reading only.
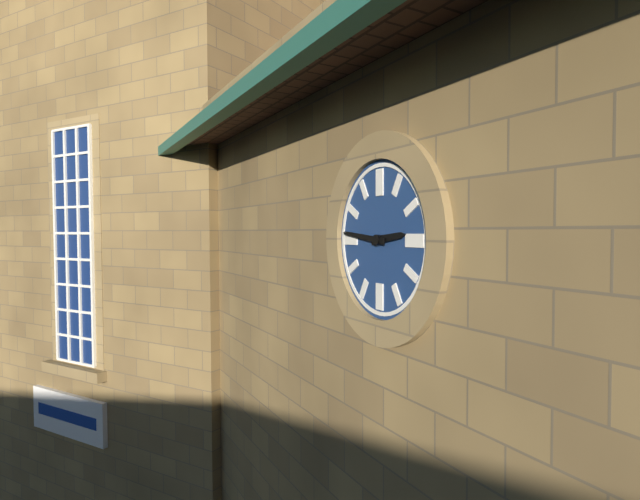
{"hour": 2, "minute": 46}
